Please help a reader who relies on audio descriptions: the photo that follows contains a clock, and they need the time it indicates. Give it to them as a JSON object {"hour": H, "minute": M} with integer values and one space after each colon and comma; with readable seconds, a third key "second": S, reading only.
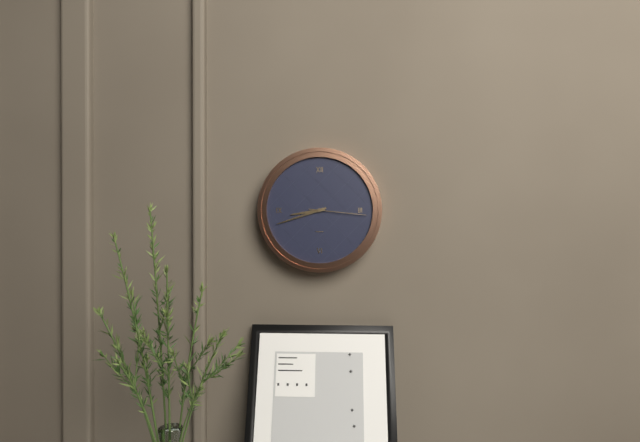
{"hour": 8, "minute": 42, "second": 16}
